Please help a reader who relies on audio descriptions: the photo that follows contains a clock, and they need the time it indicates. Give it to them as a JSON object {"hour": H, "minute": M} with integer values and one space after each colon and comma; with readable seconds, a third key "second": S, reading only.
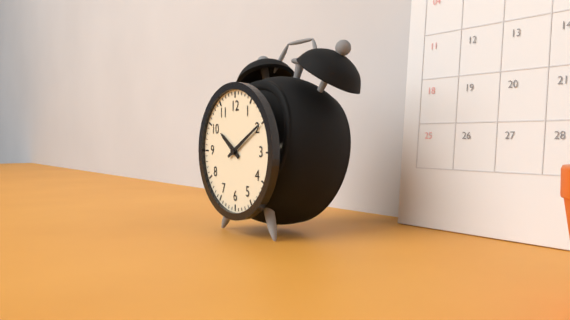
{"hour": 10, "minute": 10}
